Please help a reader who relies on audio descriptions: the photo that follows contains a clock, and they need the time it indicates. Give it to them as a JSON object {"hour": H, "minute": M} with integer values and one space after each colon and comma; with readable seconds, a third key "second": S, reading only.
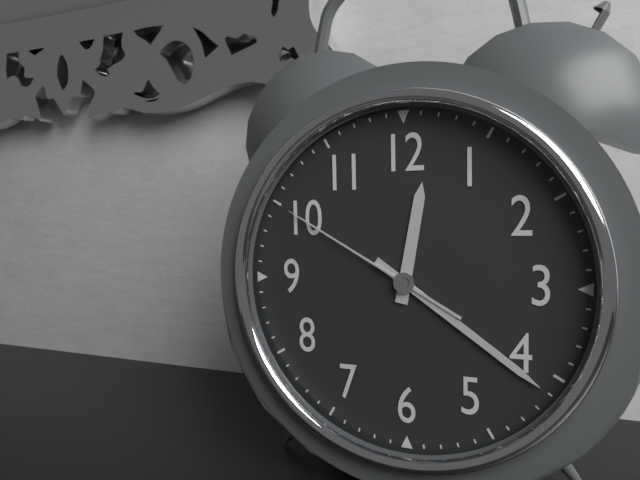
{"hour": 12, "minute": 21, "second": 50}
